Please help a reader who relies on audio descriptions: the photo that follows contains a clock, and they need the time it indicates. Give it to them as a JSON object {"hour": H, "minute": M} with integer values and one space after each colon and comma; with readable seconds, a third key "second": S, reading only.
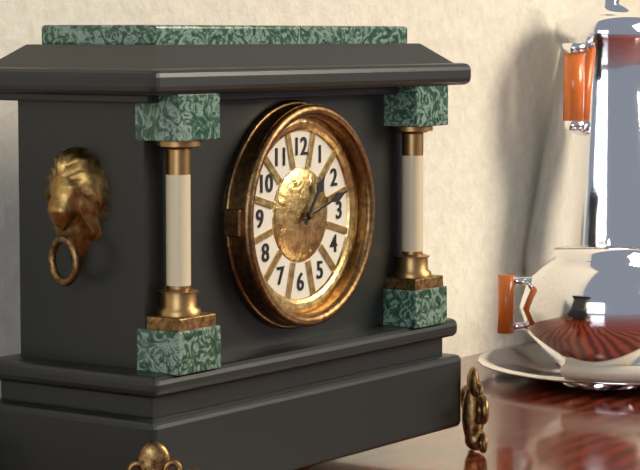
{"hour": 1, "minute": 12}
